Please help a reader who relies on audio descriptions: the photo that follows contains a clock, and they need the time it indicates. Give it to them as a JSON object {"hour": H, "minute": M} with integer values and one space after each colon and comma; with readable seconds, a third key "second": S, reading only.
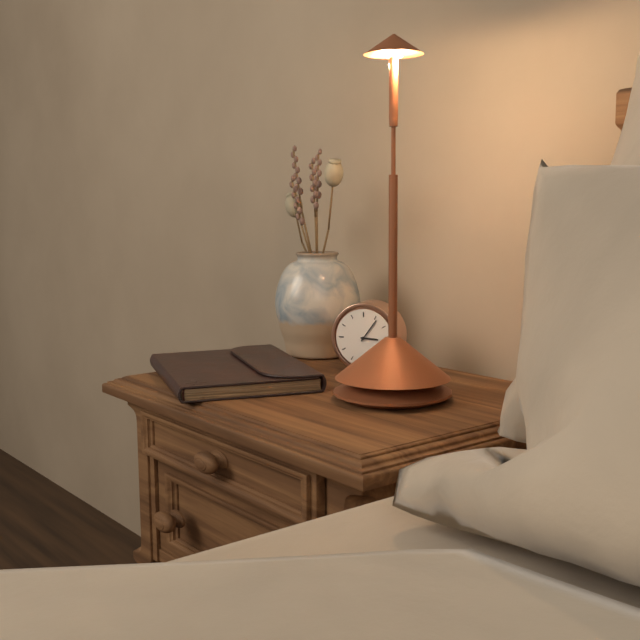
{"hour": 3, "minute": 6}
